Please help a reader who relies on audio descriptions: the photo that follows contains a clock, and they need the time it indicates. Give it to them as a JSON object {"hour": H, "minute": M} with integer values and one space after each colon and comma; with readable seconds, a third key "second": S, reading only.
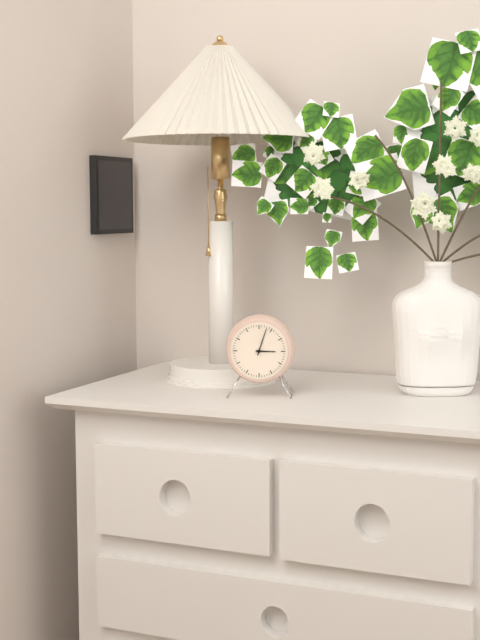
{"hour": 3, "minute": 3}
